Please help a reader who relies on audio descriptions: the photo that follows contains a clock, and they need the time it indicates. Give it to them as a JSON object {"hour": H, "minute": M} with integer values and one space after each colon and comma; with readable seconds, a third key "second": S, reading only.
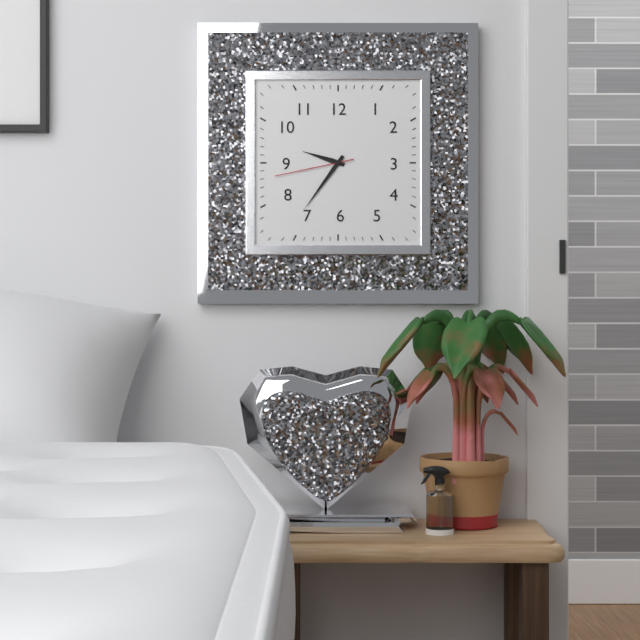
{"hour": 9, "minute": 36, "second": 43}
